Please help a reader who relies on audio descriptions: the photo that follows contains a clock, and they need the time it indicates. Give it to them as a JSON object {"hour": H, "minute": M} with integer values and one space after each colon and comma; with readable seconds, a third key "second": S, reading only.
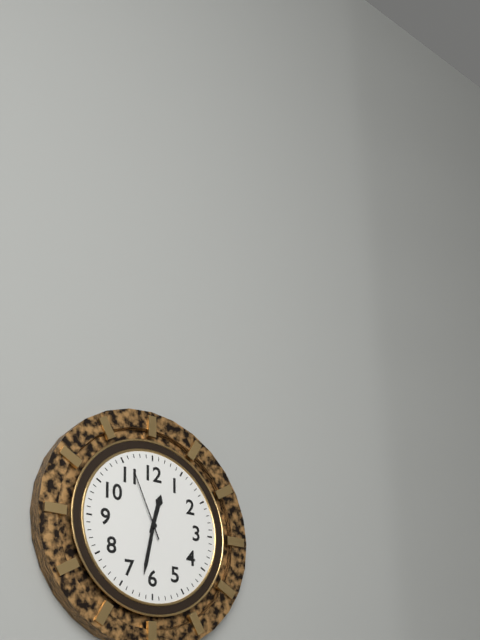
{"hour": 12, "minute": 32, "second": 56}
